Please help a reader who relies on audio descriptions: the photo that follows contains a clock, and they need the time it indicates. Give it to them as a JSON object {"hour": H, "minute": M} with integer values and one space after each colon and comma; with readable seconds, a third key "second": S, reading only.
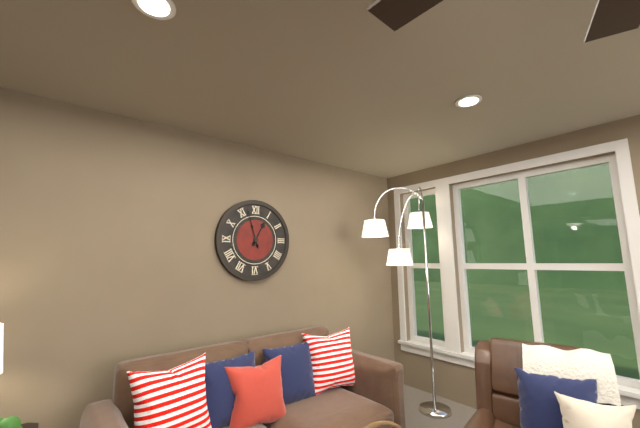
{"hour": 12, "minute": 57}
